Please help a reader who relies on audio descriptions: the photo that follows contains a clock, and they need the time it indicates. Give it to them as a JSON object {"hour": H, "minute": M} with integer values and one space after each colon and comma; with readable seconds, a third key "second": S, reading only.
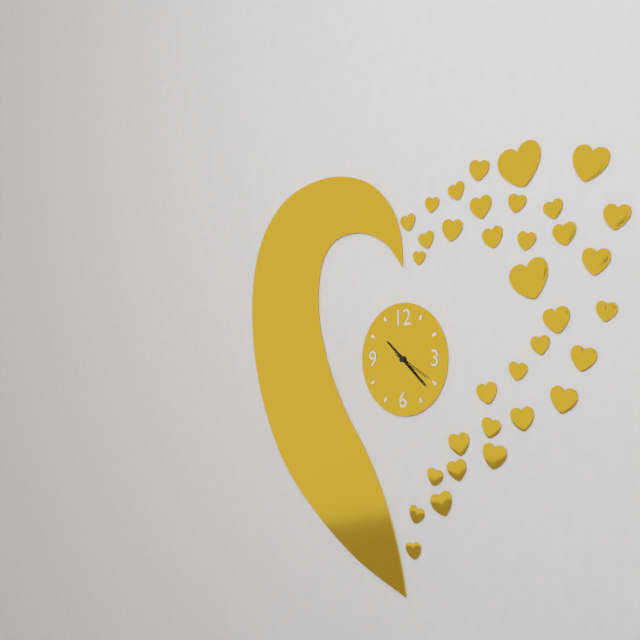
{"hour": 10, "minute": 22}
